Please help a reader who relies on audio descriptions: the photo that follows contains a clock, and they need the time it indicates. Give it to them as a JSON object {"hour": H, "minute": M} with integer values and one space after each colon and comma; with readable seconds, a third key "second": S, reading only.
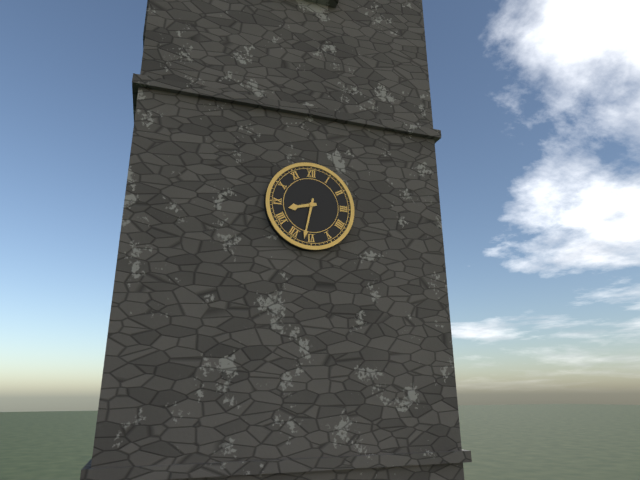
{"hour": 8, "minute": 32}
